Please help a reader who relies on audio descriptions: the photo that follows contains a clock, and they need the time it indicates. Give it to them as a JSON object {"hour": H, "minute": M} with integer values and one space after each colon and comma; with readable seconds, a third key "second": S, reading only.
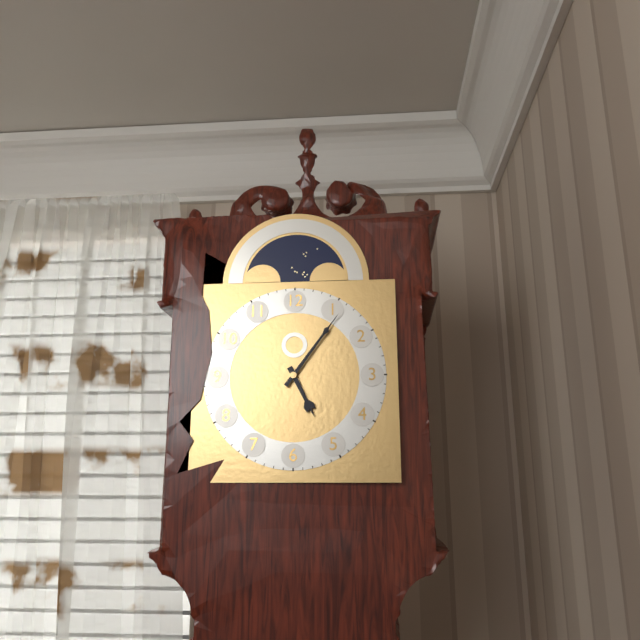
{"hour": 5, "minute": 6}
